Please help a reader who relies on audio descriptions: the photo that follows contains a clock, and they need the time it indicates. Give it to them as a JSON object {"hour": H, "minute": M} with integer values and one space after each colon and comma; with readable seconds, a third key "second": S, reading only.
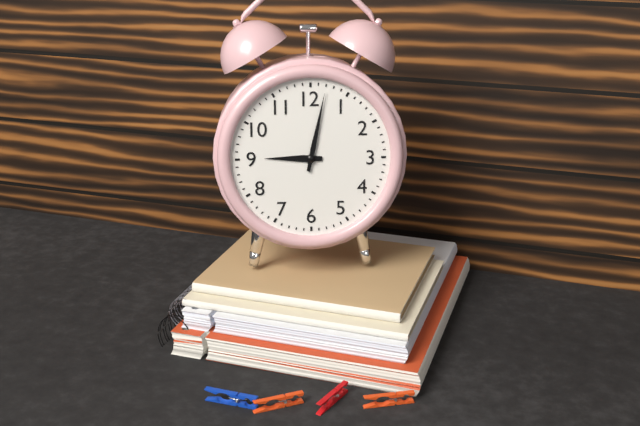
{"hour": 9, "minute": 2}
